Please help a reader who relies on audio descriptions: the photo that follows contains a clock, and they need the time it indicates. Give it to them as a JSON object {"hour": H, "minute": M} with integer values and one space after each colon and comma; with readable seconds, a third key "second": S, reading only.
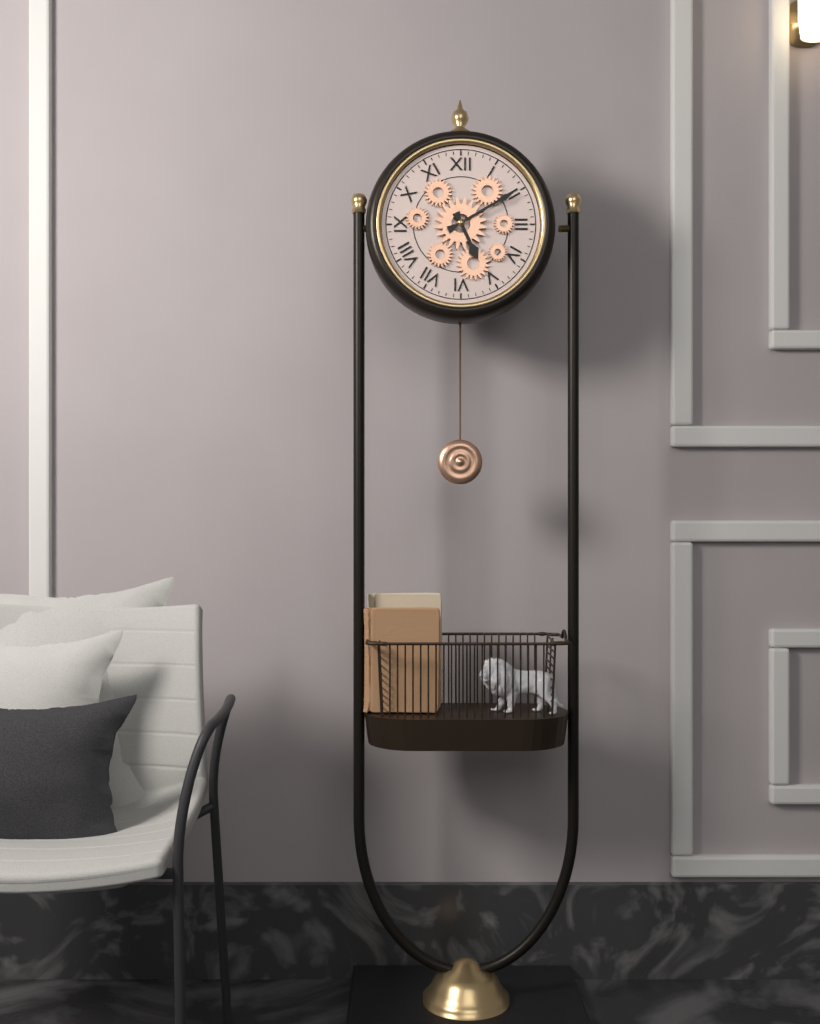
{"hour": 5, "minute": 10}
